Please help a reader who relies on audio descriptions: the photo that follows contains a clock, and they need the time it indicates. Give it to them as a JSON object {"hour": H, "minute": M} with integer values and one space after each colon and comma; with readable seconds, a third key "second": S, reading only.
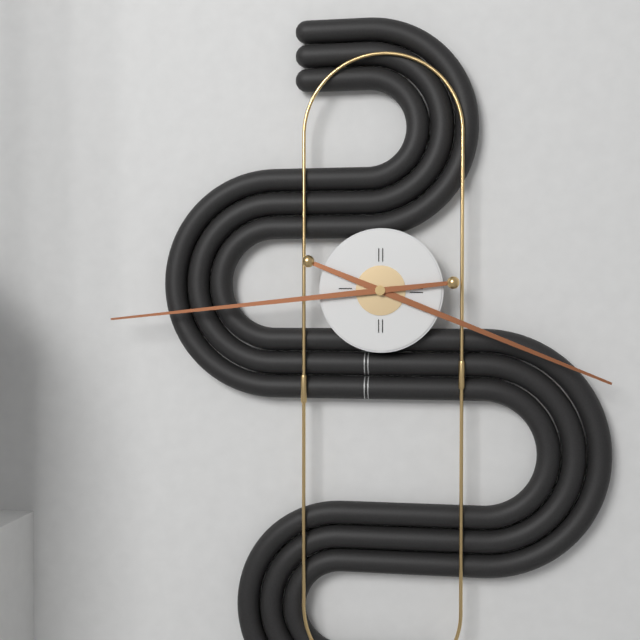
{"hour": 3, "minute": 44}
